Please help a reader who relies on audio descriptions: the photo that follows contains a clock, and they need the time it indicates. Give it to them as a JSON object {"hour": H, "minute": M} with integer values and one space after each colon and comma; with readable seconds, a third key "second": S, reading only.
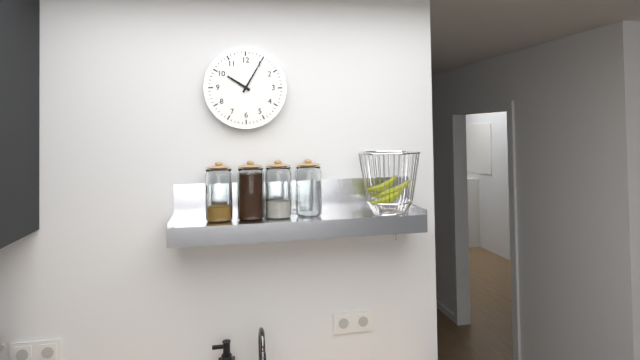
{"hour": 10, "minute": 5}
